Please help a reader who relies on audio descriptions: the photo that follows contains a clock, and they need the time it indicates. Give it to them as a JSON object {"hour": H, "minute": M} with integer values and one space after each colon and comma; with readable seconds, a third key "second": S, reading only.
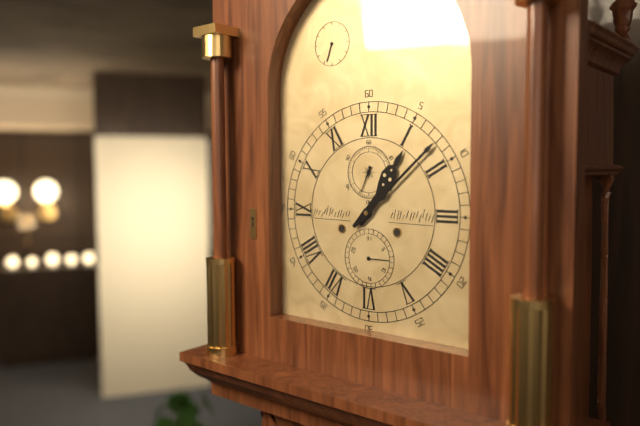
{"hour": 1, "minute": 8}
